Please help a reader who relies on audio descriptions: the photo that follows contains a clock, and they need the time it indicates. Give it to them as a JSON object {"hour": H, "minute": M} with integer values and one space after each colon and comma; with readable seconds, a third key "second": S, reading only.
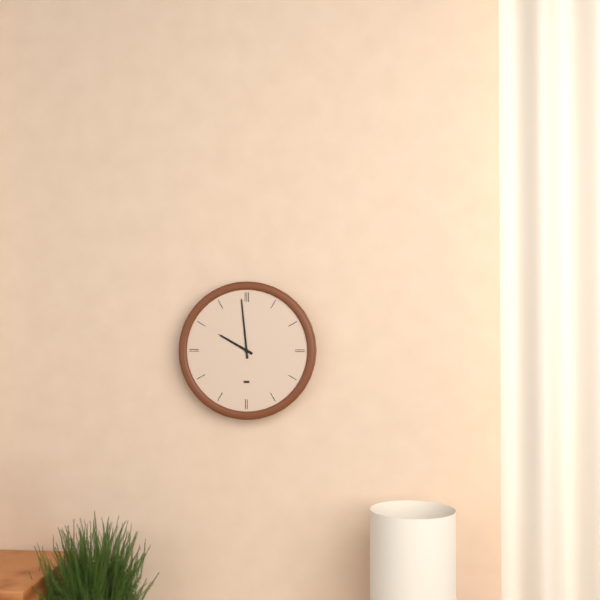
{"hour": 9, "minute": 59}
